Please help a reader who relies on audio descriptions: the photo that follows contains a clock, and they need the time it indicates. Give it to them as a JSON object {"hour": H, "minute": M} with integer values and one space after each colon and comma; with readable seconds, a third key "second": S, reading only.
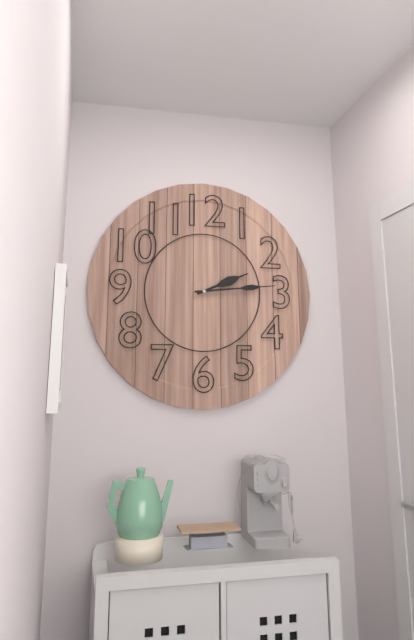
{"hour": 2, "minute": 14}
